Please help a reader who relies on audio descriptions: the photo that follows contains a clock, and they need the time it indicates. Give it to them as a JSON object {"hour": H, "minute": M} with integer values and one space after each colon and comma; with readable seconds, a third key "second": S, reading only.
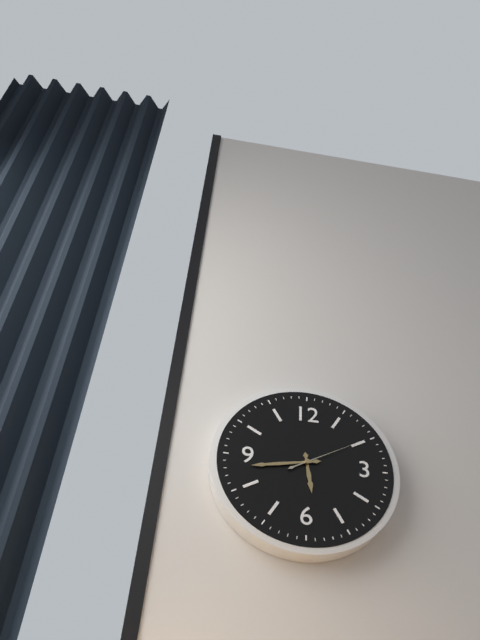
{"hour": 5, "minute": 43, "second": 10}
